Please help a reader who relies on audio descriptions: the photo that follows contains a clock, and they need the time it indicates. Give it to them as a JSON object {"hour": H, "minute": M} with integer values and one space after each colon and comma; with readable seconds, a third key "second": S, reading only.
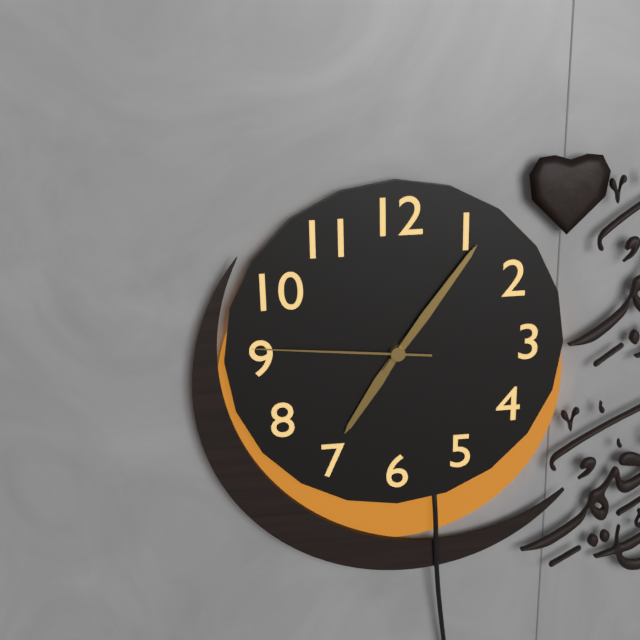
{"hour": 7, "minute": 6, "second": 46}
